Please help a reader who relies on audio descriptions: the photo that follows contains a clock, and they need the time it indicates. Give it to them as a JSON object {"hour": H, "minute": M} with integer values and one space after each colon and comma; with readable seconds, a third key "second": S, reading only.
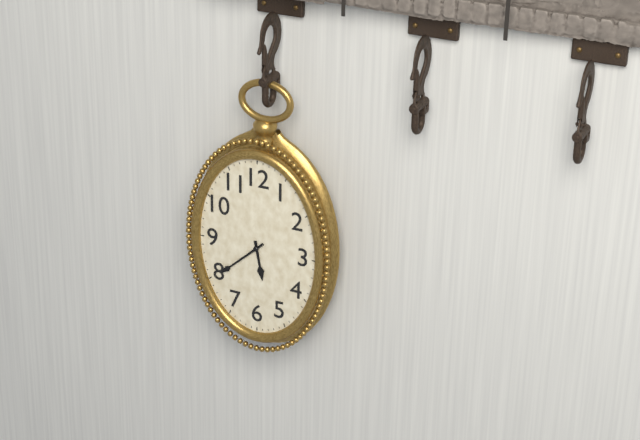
{"hour": 5, "minute": 38}
